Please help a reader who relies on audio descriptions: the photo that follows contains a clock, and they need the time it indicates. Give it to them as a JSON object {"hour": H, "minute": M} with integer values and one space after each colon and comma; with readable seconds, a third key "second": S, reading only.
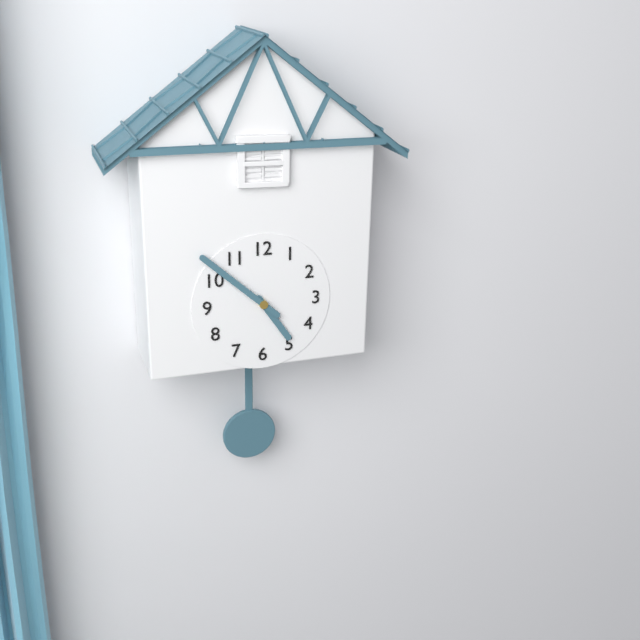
{"hour": 4, "minute": 52}
